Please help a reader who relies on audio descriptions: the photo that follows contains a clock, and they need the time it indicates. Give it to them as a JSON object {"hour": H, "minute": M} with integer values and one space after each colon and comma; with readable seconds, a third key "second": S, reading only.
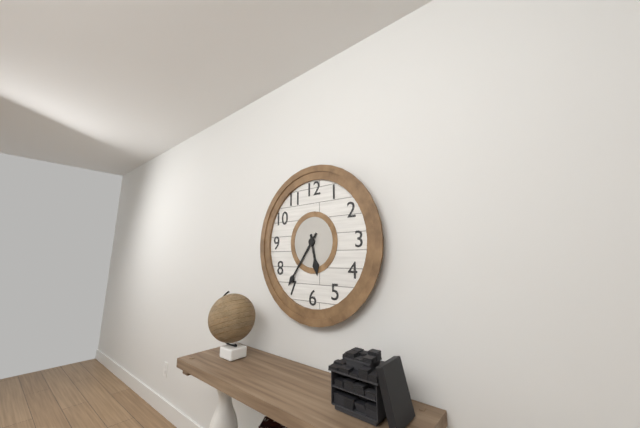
{"hour": 5, "minute": 36}
